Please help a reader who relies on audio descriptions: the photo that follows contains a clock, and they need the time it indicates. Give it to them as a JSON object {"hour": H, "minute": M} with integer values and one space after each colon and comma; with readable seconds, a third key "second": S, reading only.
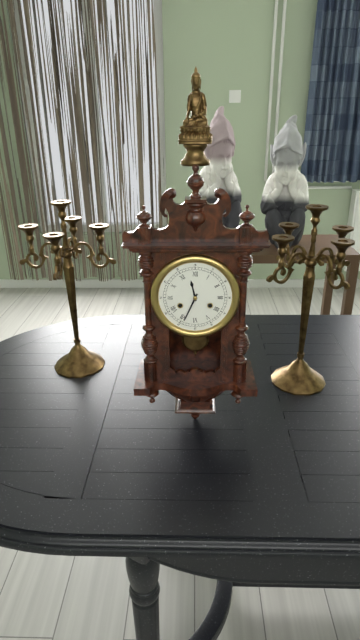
{"hour": 11, "minute": 34}
